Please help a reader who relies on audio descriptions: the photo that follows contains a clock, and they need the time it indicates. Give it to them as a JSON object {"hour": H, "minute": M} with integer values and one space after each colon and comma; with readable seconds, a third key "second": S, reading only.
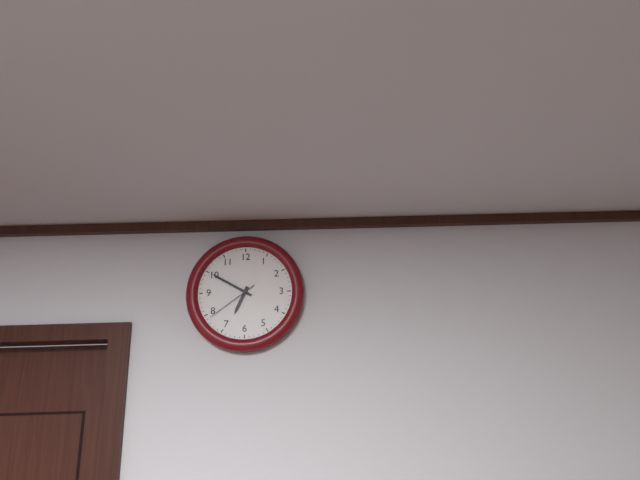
{"hour": 6, "minute": 50, "second": 39}
